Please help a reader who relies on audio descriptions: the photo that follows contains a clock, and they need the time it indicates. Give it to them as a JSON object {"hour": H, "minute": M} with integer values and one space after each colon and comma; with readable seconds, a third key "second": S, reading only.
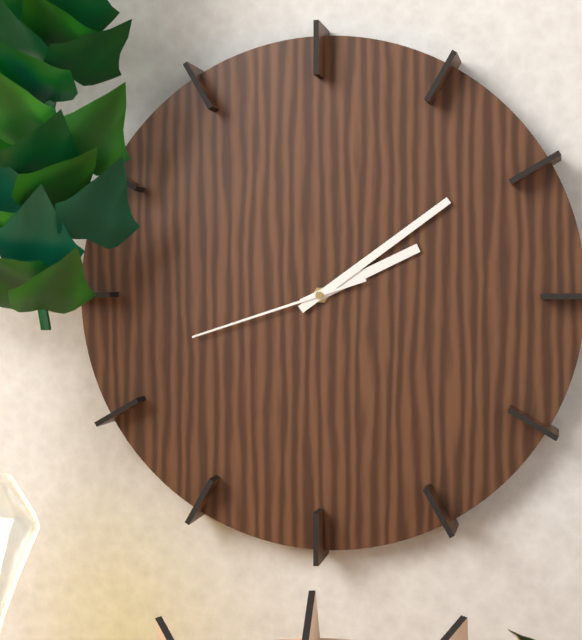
{"hour": 2, "minute": 9, "second": 42}
